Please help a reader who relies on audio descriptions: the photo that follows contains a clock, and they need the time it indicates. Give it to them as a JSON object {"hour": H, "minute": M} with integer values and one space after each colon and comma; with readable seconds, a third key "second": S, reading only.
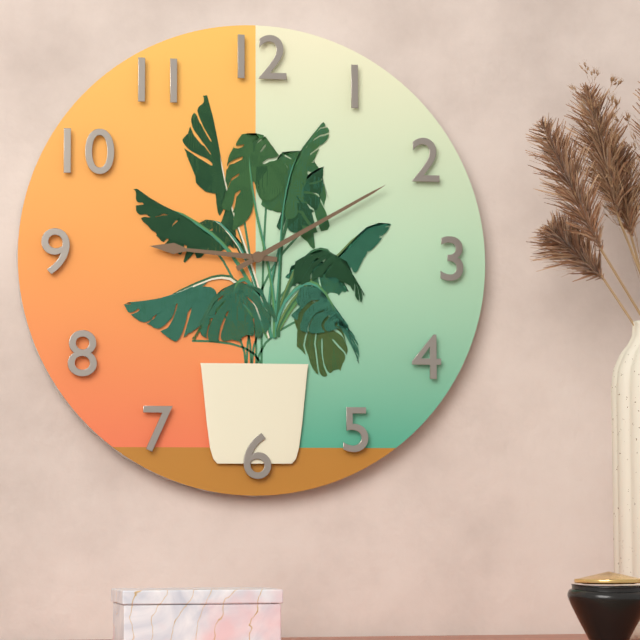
{"hour": 9, "minute": 10}
